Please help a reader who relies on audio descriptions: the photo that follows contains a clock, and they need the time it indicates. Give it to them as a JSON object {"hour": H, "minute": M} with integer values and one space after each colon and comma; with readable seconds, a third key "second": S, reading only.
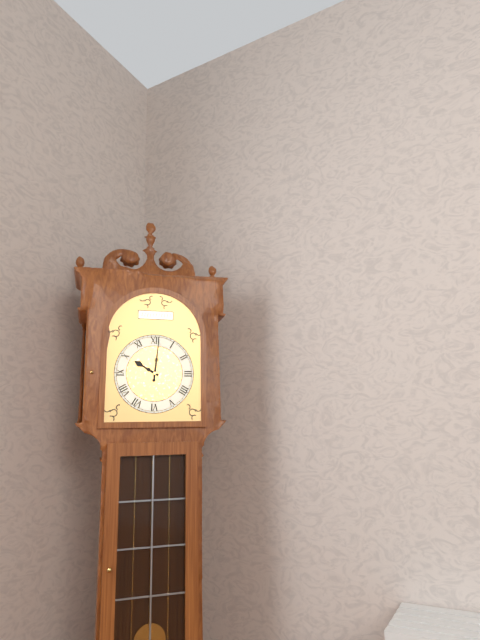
{"hour": 10, "minute": 1}
